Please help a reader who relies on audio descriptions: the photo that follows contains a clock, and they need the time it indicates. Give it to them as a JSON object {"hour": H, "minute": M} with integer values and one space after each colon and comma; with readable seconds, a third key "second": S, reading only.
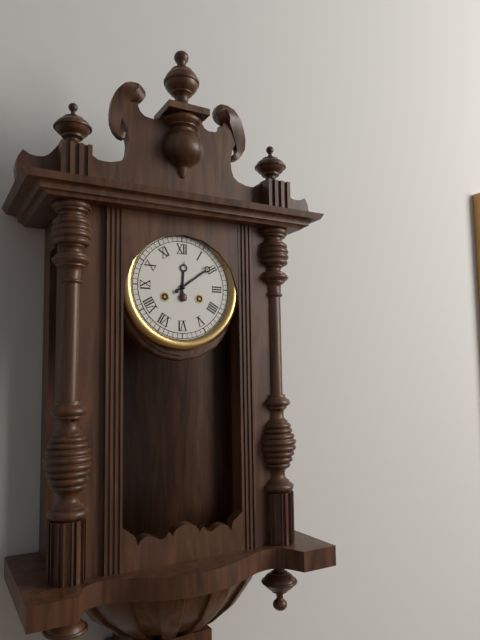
{"hour": 12, "minute": 9}
